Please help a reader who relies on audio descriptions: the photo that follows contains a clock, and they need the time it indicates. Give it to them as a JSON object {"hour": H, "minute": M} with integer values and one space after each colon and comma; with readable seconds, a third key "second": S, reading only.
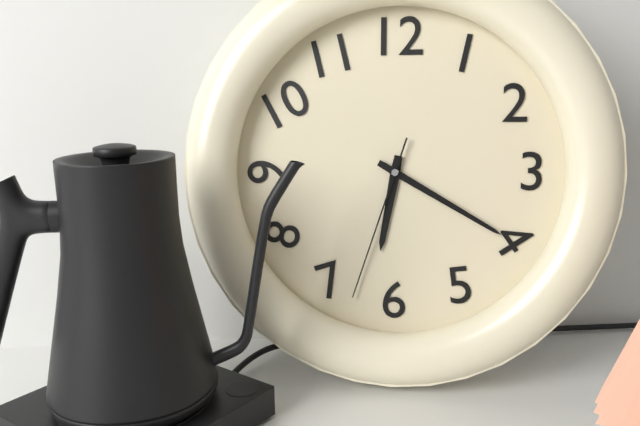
{"hour": 6, "minute": 20, "second": 33}
